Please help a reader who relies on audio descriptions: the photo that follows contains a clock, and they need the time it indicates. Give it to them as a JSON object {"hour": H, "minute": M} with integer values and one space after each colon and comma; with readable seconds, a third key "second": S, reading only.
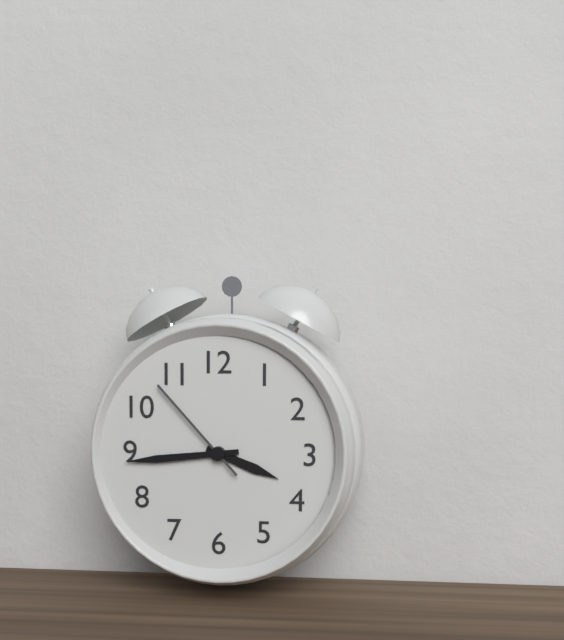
{"hour": 3, "minute": 44, "second": 53}
